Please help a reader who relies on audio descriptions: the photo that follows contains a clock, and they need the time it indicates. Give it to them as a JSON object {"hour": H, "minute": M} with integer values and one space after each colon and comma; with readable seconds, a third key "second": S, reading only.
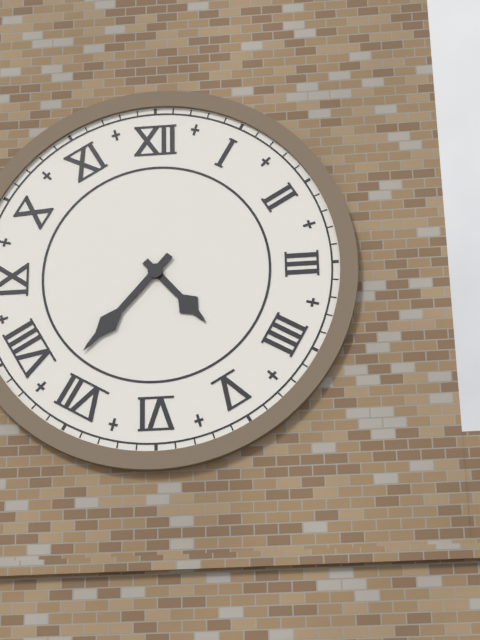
{"hour": 4, "minute": 37}
